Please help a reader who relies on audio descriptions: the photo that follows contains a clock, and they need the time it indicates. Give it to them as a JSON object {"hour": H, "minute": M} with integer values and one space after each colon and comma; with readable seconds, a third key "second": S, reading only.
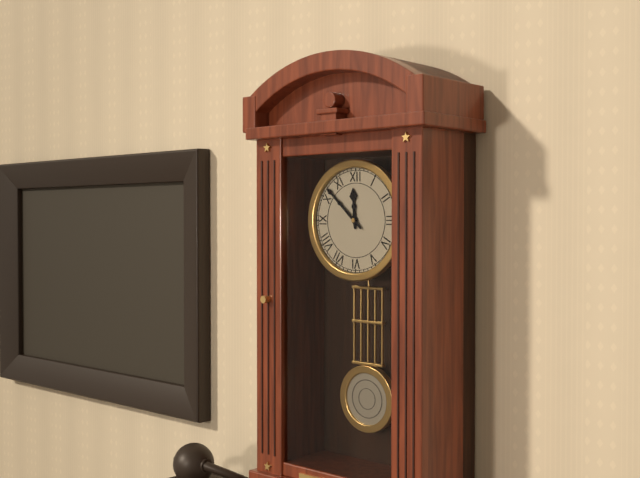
{"hour": 11, "minute": 52}
